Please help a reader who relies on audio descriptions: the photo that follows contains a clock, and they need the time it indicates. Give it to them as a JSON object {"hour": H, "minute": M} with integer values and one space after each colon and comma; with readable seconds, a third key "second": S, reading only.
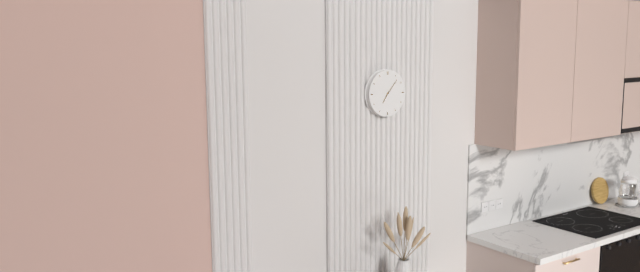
{"hour": 7, "minute": 7}
